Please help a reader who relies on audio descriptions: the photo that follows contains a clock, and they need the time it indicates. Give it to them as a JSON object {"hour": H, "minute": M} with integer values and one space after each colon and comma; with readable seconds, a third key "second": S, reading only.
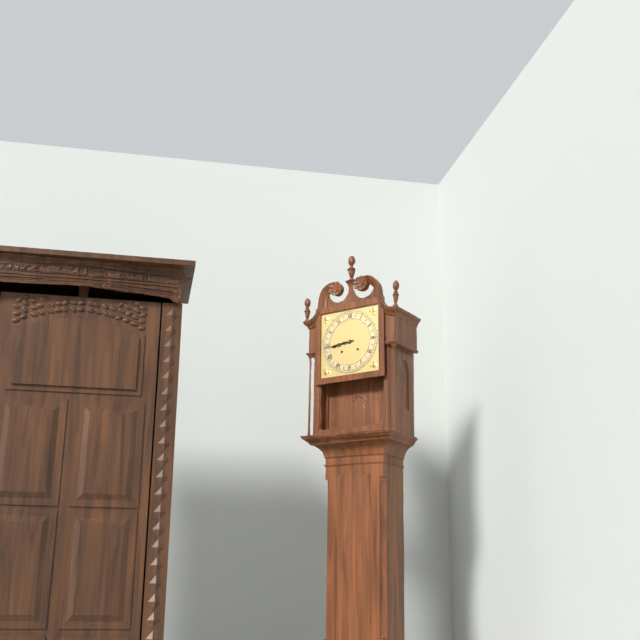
{"hour": 8, "minute": 44}
